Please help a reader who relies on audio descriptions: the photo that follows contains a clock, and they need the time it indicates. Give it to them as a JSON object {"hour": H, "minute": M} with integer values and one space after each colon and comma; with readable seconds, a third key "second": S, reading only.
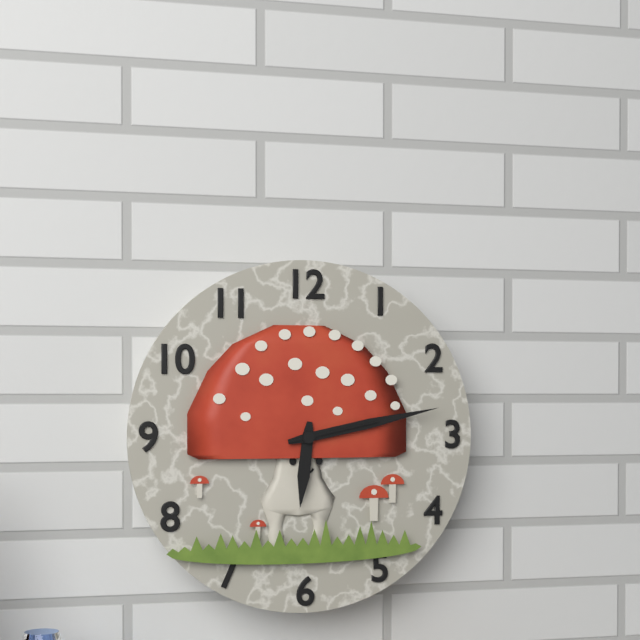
{"hour": 6, "minute": 13, "second": 13}
